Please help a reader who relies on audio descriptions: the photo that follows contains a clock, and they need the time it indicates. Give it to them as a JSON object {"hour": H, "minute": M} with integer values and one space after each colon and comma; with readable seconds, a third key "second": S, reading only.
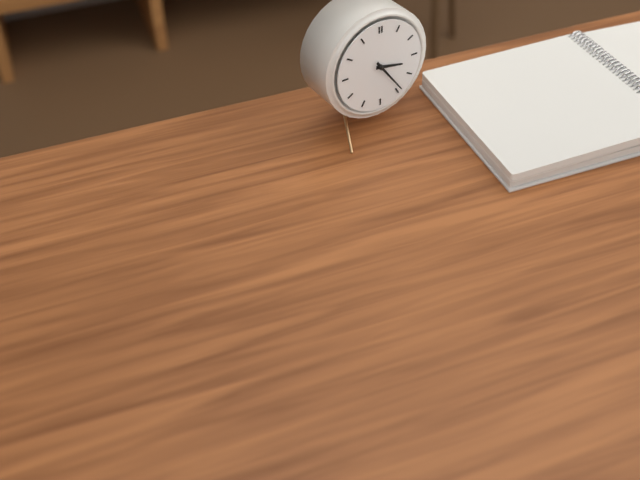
{"hour": 3, "minute": 24}
